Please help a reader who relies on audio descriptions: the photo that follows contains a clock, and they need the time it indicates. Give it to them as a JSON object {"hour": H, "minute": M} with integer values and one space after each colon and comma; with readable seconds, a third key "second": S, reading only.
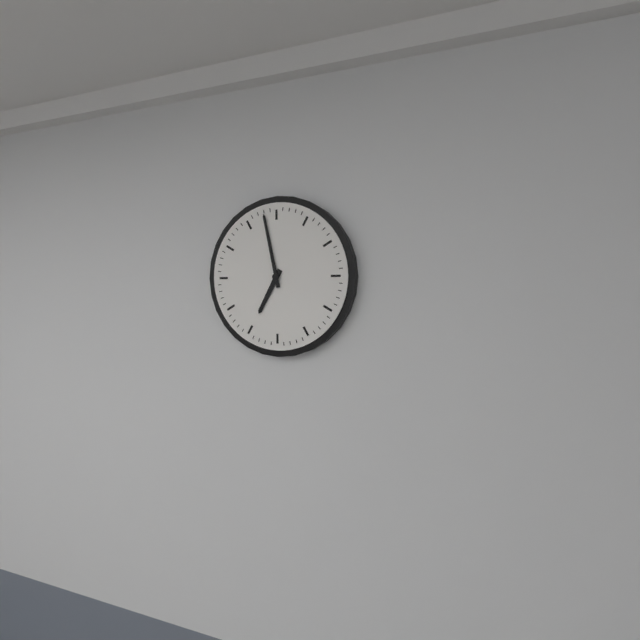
{"hour": 6, "minute": 58}
